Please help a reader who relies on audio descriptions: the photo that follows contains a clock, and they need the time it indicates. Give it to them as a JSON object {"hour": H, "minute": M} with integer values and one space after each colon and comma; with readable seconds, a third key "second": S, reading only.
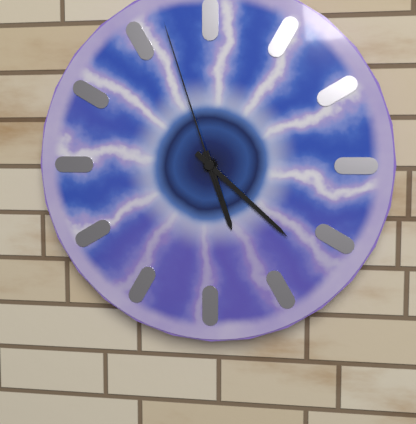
{"hour": 5, "minute": 22, "second": 57}
